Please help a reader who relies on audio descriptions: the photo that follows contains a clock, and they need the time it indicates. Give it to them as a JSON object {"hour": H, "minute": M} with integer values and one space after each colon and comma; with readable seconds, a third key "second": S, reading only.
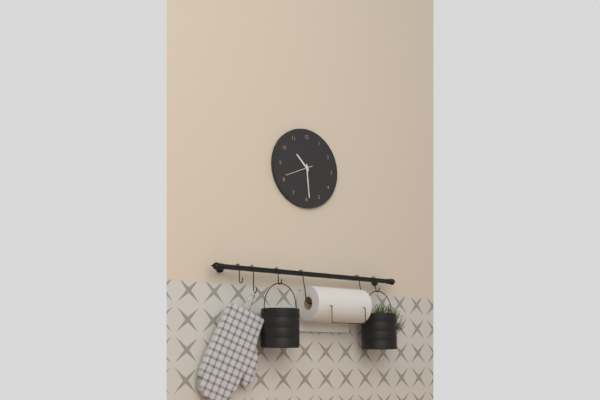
{"hour": 10, "minute": 29}
